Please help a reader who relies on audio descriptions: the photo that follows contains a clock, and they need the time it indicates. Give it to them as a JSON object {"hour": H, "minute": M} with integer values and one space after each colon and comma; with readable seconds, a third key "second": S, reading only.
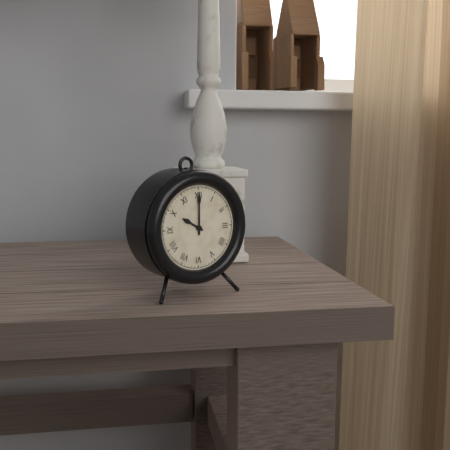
{"hour": 10, "minute": 0}
